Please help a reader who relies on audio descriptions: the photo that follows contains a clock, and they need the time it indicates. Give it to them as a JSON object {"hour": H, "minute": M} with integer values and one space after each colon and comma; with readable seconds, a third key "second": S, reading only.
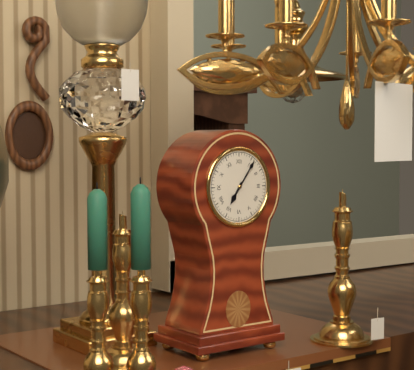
{"hour": 7, "minute": 6}
